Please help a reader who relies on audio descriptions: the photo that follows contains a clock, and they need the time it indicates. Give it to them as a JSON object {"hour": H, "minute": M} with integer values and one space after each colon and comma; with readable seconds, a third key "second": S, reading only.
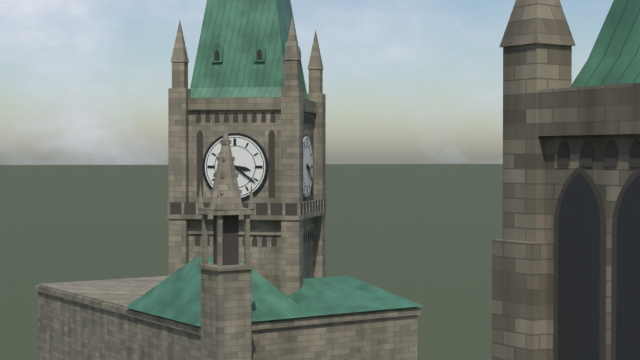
{"hour": 3, "minute": 21}
